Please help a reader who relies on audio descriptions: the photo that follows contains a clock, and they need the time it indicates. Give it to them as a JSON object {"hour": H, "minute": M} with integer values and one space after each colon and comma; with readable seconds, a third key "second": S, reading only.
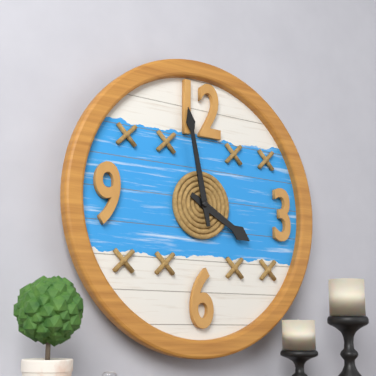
{"hour": 3, "minute": 58}
